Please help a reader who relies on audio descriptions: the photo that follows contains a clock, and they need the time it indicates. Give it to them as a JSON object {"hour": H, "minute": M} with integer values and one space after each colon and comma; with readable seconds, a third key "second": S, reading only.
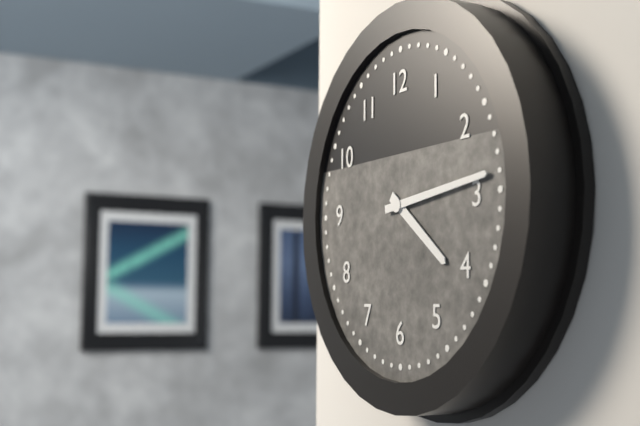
{"hour": 4, "minute": 14}
